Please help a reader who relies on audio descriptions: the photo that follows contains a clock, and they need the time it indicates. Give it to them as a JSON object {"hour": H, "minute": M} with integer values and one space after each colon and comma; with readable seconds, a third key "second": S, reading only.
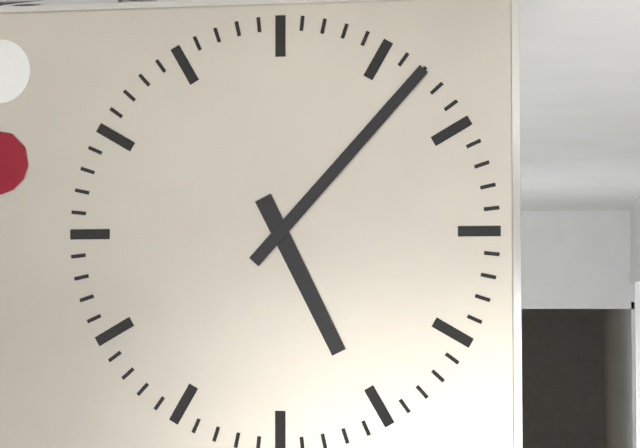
{"hour": 5, "minute": 7}
